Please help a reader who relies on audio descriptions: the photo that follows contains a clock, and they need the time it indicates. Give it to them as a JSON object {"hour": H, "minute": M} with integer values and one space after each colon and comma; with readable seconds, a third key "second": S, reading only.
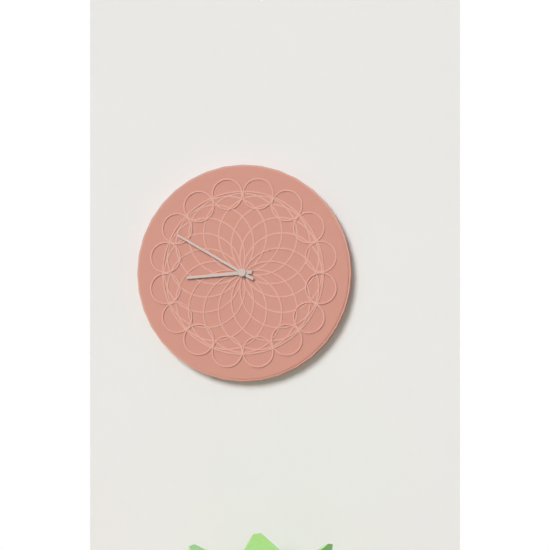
{"hour": 8, "minute": 50}
